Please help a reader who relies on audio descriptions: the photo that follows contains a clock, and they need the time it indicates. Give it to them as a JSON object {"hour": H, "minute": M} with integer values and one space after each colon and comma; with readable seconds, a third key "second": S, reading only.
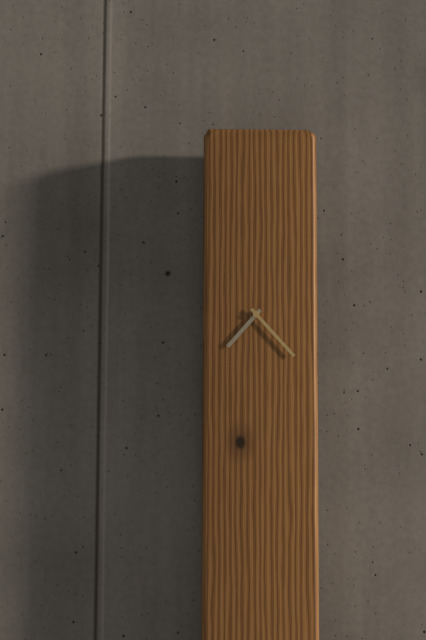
{"hour": 7, "minute": 23}
